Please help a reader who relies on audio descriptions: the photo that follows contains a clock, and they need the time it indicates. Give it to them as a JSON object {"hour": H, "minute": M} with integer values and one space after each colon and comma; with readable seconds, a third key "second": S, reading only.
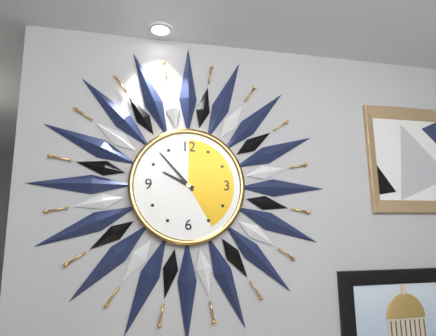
{"hour": 9, "minute": 53}
